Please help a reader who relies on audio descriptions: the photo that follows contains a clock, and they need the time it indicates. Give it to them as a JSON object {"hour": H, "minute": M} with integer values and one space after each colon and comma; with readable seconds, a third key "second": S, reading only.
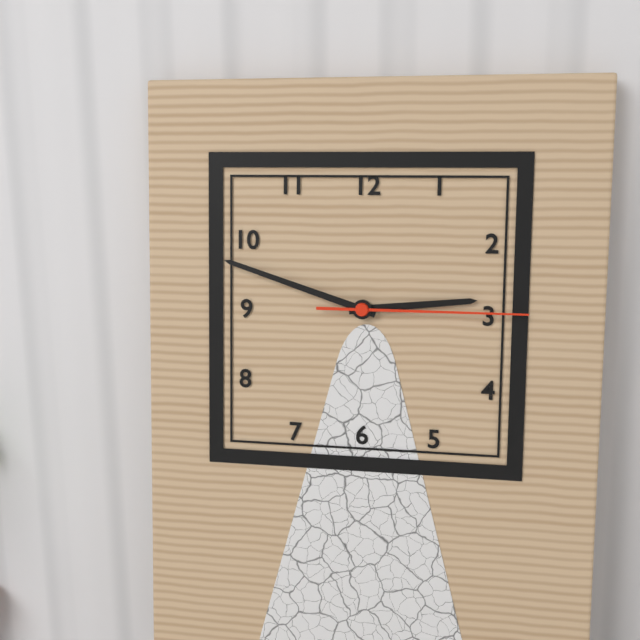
{"hour": 2, "minute": 48, "second": 15}
